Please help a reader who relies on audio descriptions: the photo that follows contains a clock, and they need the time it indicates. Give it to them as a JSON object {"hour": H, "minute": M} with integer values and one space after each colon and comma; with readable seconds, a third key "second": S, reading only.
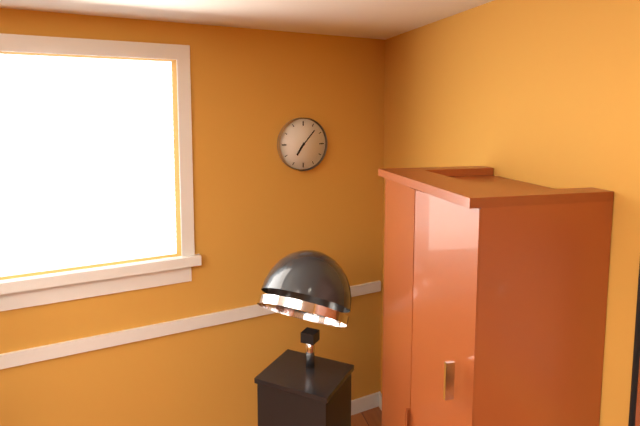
{"hour": 7, "minute": 7}
